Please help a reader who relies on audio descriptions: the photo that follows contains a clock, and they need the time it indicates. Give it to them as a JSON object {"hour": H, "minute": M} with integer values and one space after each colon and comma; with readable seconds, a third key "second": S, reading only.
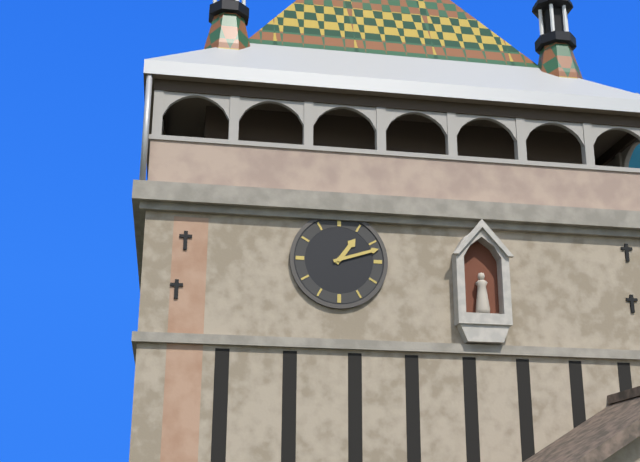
{"hour": 1, "minute": 12}
